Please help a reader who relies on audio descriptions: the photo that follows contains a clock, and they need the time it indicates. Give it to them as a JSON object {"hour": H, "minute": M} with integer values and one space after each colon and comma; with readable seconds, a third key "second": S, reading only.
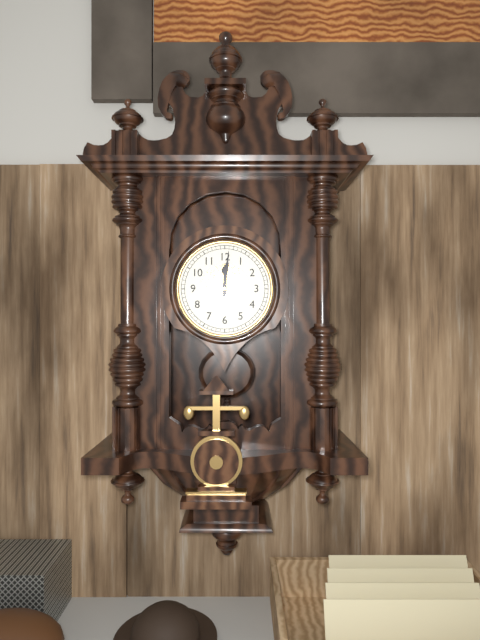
{"hour": 12, "minute": 1}
